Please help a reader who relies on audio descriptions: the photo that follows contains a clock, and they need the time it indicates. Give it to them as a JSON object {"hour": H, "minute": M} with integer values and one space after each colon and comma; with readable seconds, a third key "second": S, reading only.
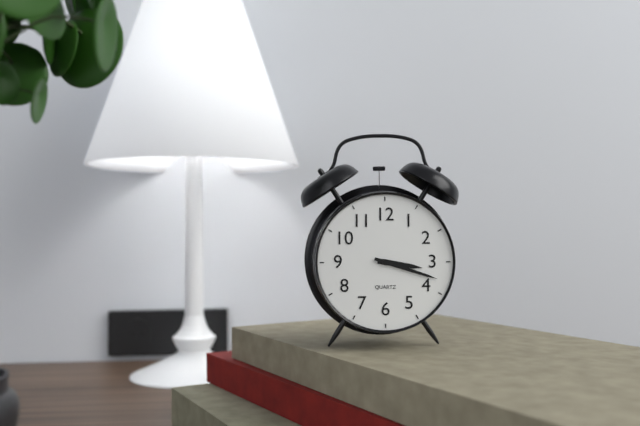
{"hour": 3, "minute": 18}
